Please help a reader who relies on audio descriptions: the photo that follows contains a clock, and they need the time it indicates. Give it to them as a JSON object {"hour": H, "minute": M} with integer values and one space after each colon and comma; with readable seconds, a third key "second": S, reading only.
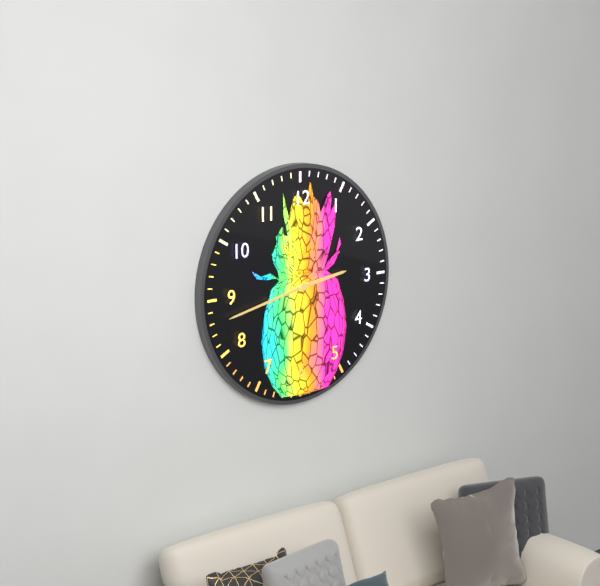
{"hour": 2, "minute": 43}
